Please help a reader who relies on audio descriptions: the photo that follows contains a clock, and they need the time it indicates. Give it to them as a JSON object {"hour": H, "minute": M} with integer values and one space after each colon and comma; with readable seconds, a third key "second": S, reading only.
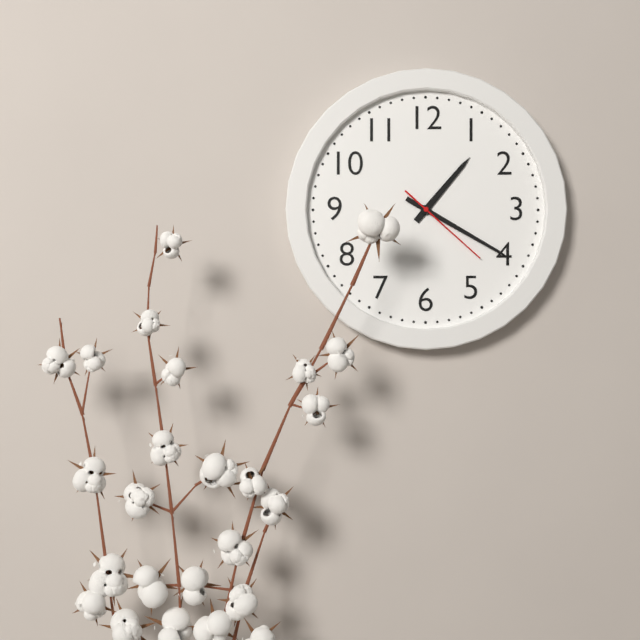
{"hour": 1, "minute": 20, "second": 22}
